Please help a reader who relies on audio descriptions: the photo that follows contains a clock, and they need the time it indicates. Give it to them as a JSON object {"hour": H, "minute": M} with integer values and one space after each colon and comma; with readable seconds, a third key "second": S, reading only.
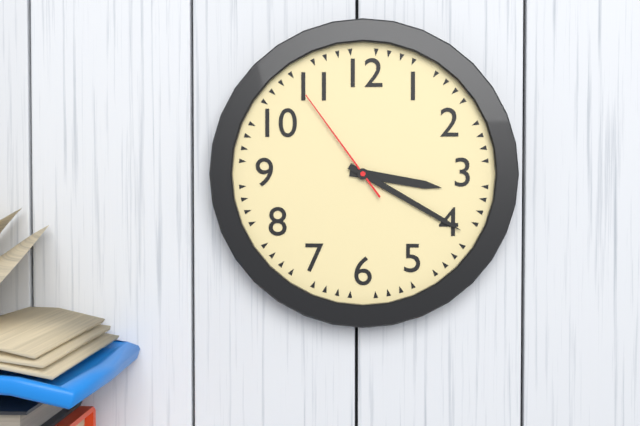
{"hour": 3, "minute": 20, "second": 54}
